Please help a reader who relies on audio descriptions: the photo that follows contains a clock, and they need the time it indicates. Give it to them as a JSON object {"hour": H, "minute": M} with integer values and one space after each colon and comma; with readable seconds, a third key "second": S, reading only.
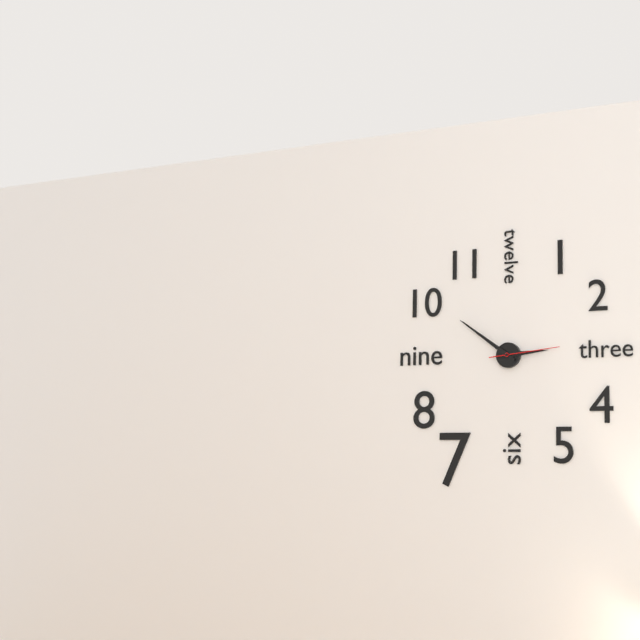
{"hour": 2, "minute": 51, "second": 14}
